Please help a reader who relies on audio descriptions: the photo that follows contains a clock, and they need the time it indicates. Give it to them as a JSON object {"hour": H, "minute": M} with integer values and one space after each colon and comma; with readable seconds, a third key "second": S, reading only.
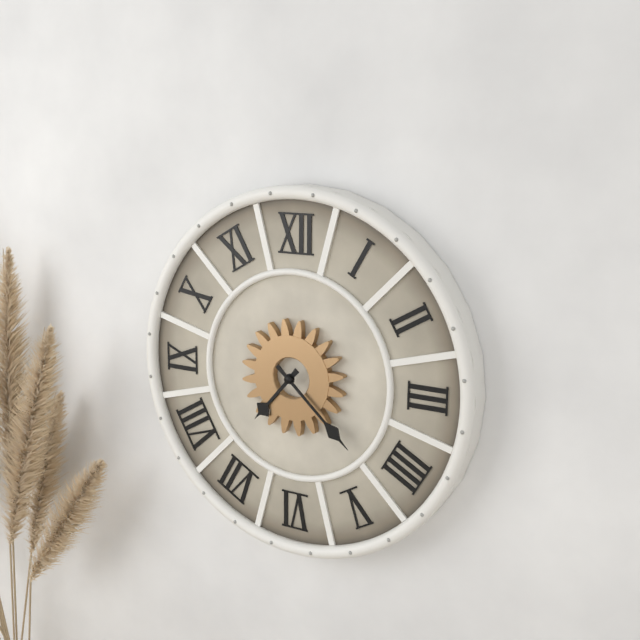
{"hour": 7, "minute": 22}
